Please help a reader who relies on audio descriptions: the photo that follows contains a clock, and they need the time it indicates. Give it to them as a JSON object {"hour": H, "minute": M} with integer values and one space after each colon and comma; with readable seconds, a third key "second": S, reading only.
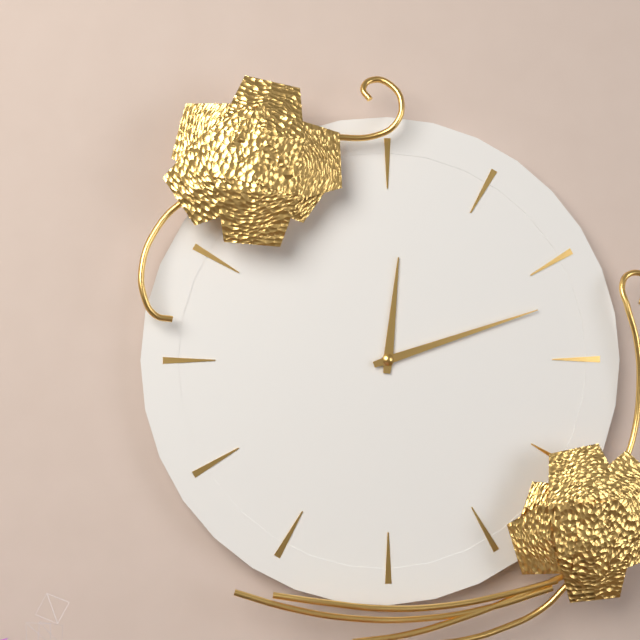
{"hour": 12, "minute": 12}
